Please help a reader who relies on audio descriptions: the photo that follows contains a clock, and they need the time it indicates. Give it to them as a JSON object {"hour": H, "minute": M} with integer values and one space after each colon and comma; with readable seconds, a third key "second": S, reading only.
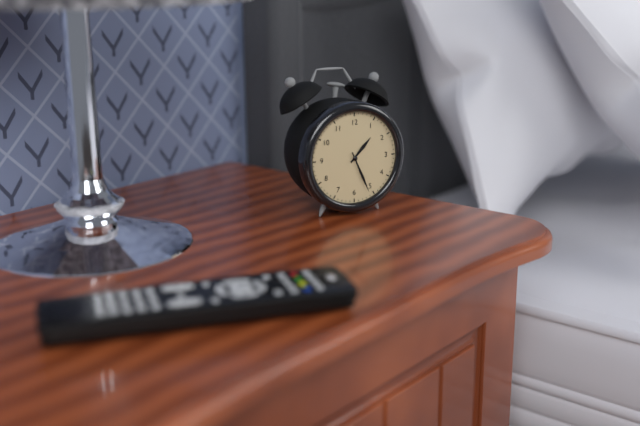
{"hour": 1, "minute": 26}
